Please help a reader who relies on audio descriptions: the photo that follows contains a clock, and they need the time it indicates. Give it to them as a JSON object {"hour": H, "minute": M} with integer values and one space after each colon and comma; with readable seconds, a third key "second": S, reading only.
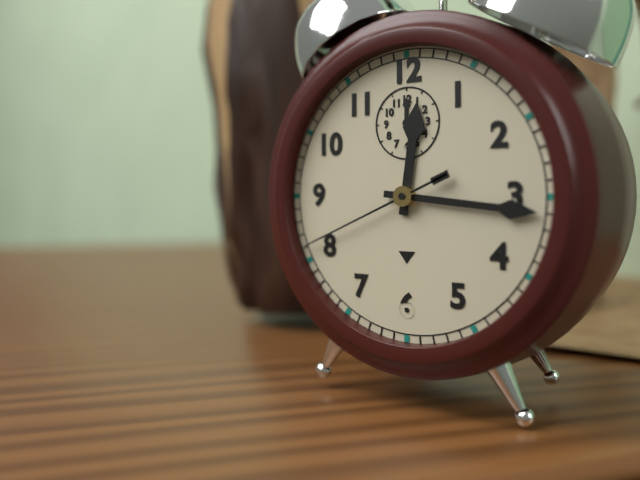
{"hour": 12, "minute": 16, "second": 41}
